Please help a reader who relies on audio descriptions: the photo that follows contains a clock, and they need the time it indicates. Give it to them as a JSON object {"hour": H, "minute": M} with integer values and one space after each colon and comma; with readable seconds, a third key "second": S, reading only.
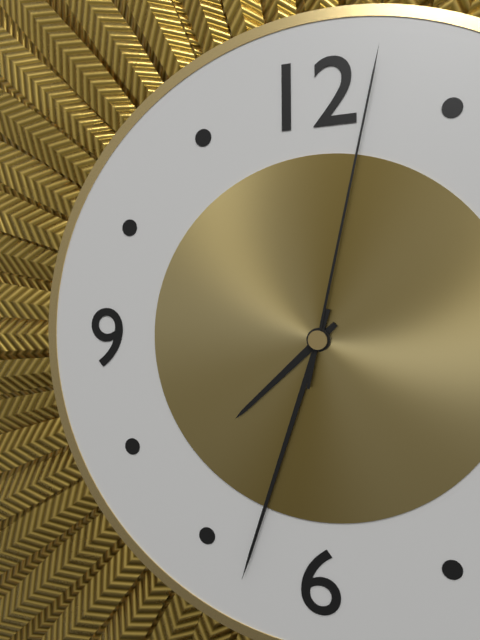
{"hour": 7, "minute": 33, "second": 2}
